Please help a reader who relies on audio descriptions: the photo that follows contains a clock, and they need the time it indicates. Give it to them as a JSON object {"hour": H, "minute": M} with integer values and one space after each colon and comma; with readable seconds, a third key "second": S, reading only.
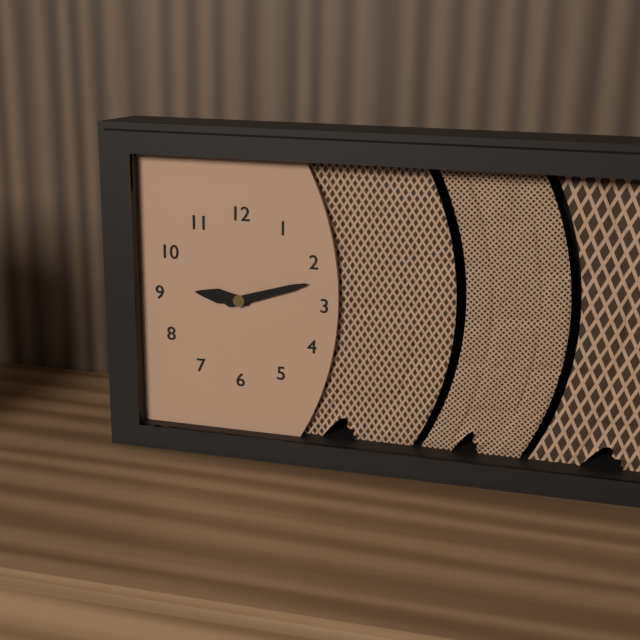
{"hour": 9, "minute": 12}
